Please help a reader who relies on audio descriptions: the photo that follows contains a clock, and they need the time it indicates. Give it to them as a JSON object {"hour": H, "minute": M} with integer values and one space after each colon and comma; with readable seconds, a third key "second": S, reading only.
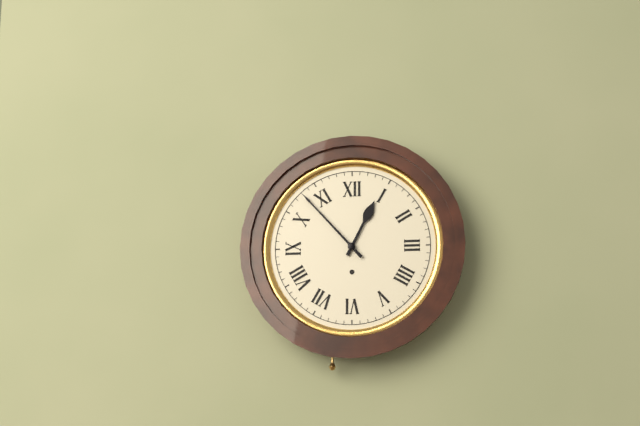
{"hour": 12, "minute": 53}
